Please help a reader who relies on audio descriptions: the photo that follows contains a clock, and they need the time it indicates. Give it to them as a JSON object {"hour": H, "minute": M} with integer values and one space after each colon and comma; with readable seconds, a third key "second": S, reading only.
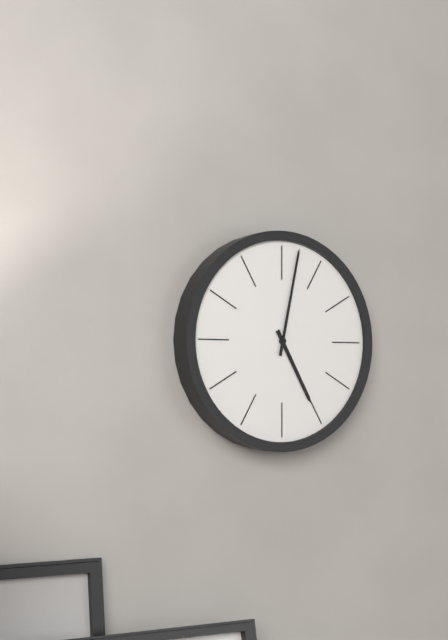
{"hour": 5, "minute": 2}
